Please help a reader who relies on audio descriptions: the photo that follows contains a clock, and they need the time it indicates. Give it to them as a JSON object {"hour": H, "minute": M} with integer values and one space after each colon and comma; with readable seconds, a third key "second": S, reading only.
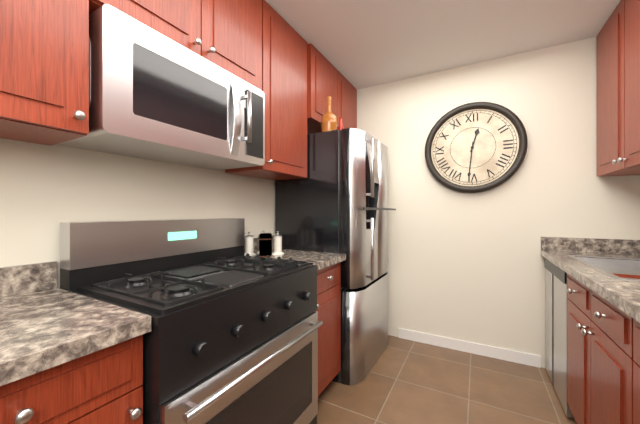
{"hour": 12, "minute": 31}
